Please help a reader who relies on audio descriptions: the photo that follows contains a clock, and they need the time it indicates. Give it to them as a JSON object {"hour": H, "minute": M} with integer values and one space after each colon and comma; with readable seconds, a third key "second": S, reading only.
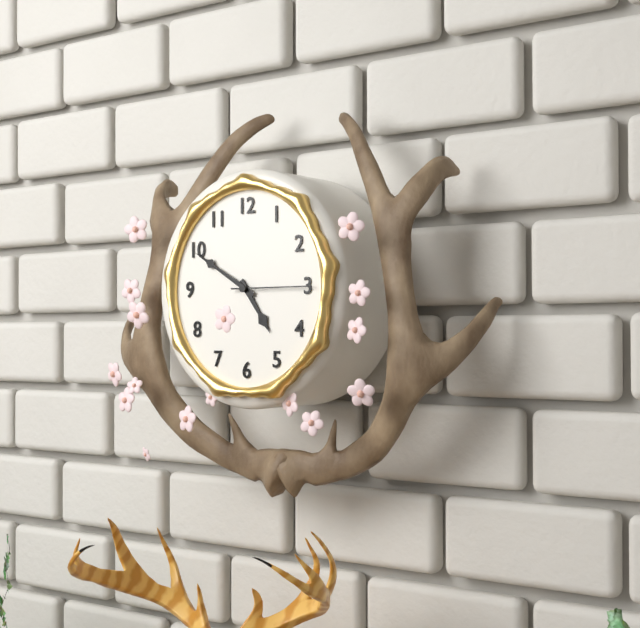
{"hour": 4, "minute": 50, "second": 15}
